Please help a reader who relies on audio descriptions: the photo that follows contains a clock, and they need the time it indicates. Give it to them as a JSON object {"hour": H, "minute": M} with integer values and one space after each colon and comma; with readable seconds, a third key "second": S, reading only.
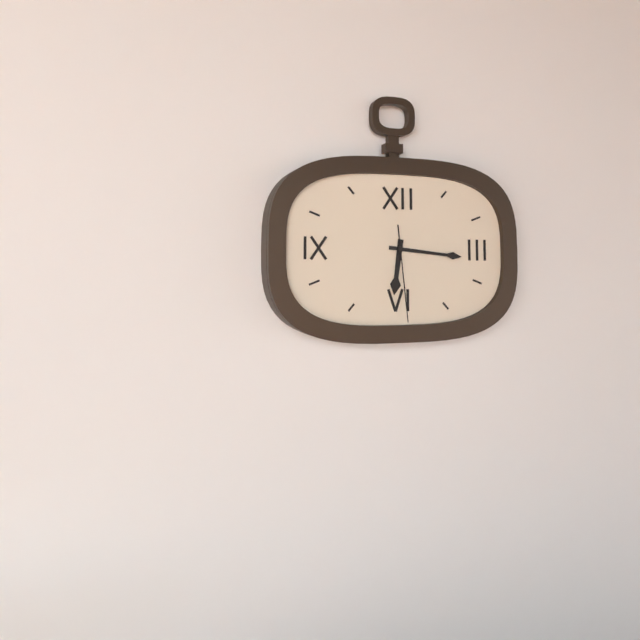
{"hour": 6, "minute": 16, "second": 29}
